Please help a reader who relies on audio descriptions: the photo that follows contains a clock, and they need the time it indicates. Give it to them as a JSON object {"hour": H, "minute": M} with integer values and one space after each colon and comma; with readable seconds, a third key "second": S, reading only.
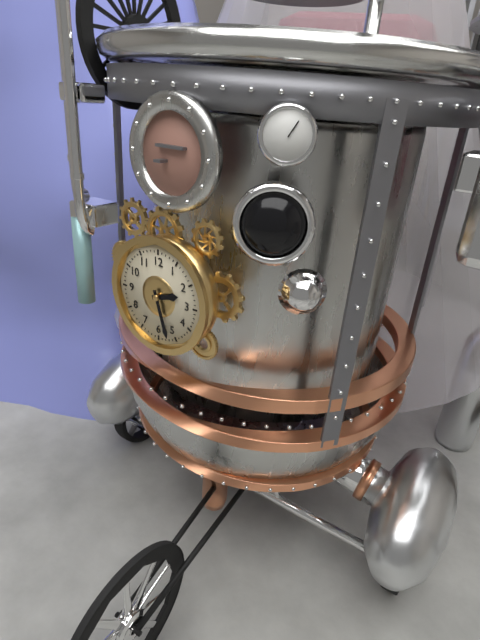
{"hour": 2, "minute": 27}
